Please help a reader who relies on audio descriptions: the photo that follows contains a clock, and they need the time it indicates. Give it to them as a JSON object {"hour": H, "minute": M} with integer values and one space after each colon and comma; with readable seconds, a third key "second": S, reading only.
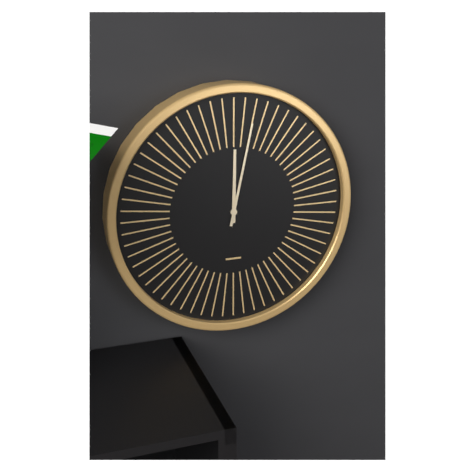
{"hour": 12, "minute": 2}
